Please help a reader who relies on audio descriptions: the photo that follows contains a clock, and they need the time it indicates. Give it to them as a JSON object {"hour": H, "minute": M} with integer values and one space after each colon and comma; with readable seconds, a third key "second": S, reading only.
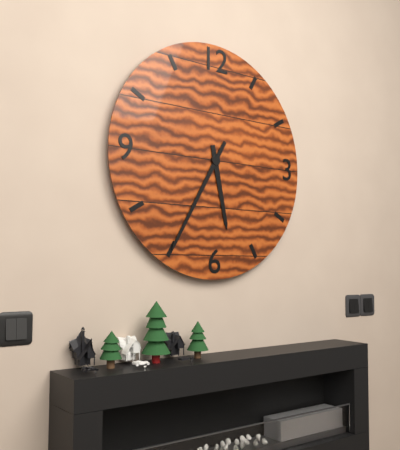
{"hour": 5, "minute": 35}
